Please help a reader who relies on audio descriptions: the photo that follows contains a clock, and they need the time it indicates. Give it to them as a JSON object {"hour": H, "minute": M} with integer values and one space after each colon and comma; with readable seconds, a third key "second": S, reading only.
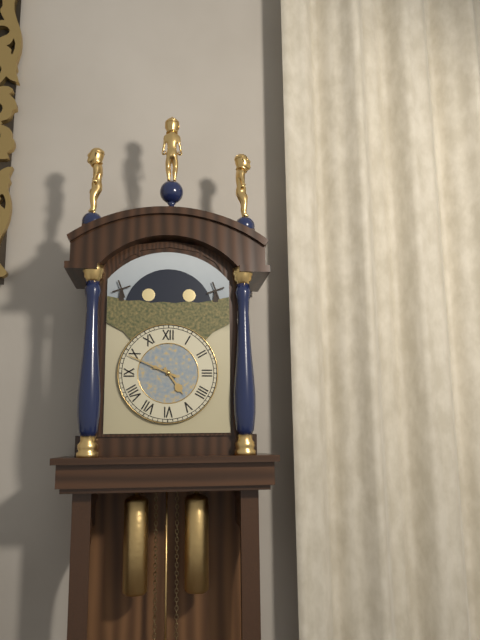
{"hour": 4, "minute": 49}
